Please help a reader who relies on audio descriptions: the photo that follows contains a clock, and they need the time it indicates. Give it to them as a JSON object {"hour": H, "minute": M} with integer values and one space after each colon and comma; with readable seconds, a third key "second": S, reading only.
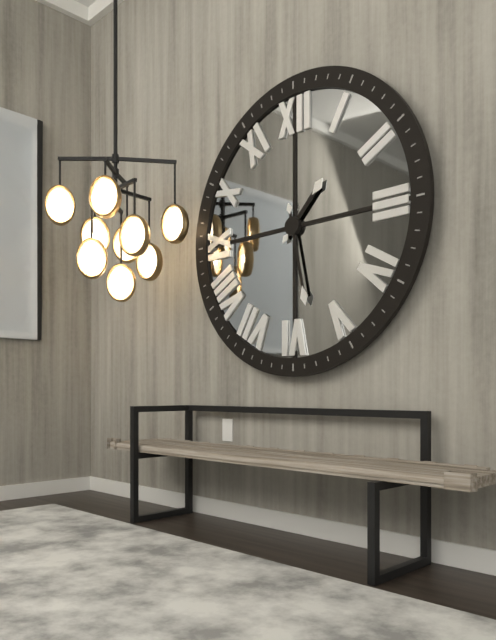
{"hour": 1, "minute": 28}
